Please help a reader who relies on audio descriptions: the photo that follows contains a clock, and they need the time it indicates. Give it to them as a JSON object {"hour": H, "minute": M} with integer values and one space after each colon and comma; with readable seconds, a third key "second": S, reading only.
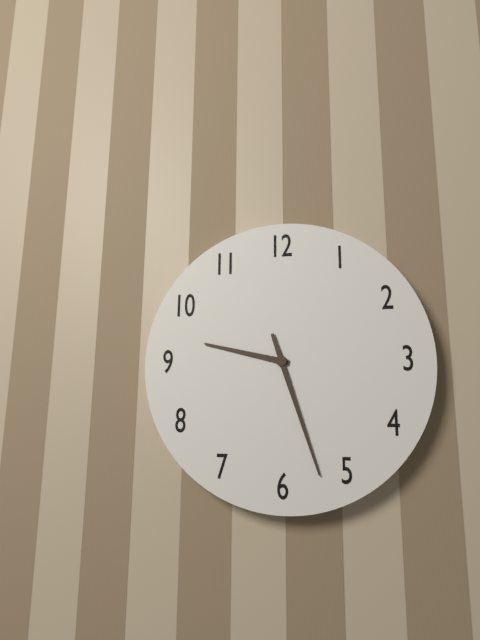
{"hour": 9, "minute": 27}
